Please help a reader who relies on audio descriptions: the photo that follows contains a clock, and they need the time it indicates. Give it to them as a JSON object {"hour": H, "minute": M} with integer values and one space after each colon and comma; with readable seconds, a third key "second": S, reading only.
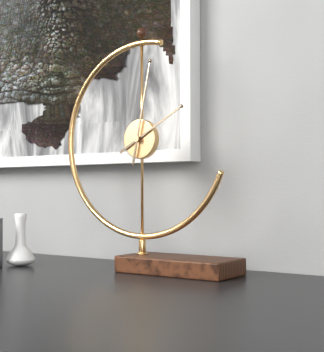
{"hour": 2, "minute": 2}
